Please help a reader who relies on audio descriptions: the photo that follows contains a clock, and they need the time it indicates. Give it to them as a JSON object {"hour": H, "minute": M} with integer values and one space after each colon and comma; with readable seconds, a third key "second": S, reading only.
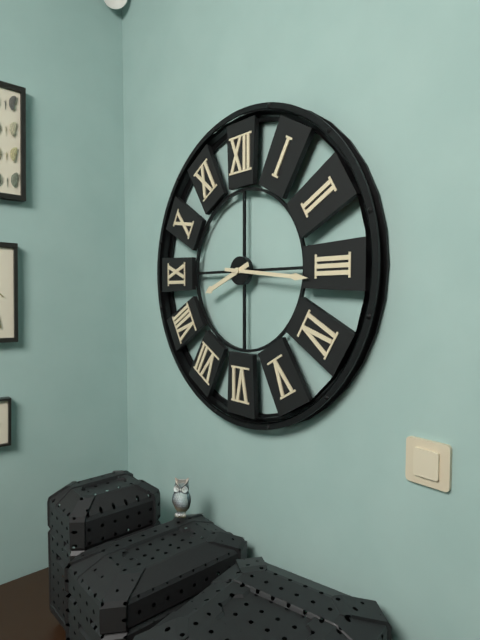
{"hour": 8, "minute": 16}
